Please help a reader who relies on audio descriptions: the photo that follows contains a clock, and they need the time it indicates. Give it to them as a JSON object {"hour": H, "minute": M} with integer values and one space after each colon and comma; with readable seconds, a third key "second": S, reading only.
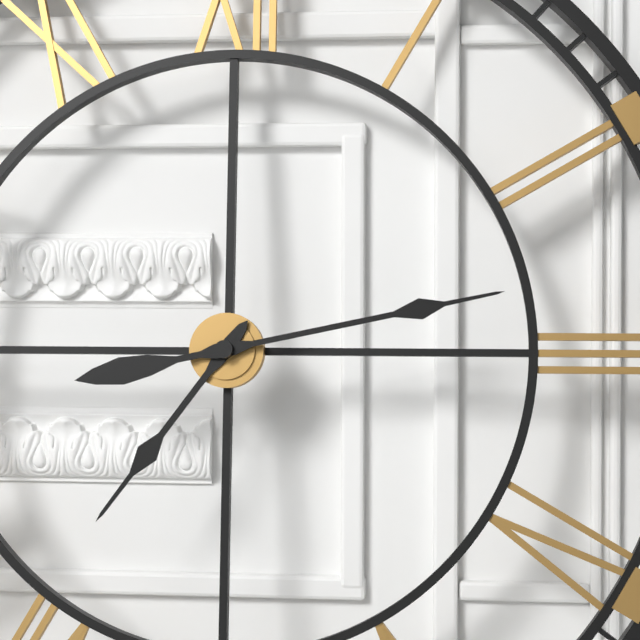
{"hour": 7, "minute": 13}
